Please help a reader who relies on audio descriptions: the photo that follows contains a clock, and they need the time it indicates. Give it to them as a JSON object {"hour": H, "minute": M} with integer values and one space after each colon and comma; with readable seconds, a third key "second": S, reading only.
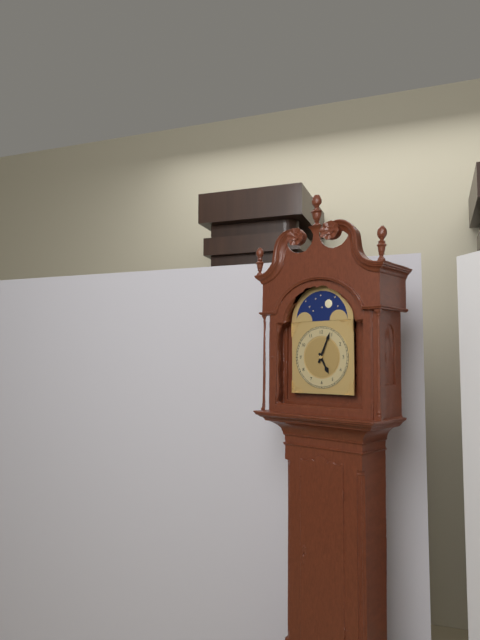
{"hour": 5, "minute": 4}
